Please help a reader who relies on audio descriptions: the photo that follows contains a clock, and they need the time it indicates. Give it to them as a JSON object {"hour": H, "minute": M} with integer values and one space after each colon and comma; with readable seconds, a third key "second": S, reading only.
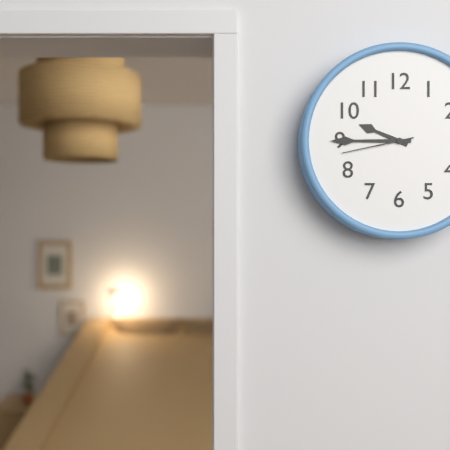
{"hour": 9, "minute": 45, "second": 43}
